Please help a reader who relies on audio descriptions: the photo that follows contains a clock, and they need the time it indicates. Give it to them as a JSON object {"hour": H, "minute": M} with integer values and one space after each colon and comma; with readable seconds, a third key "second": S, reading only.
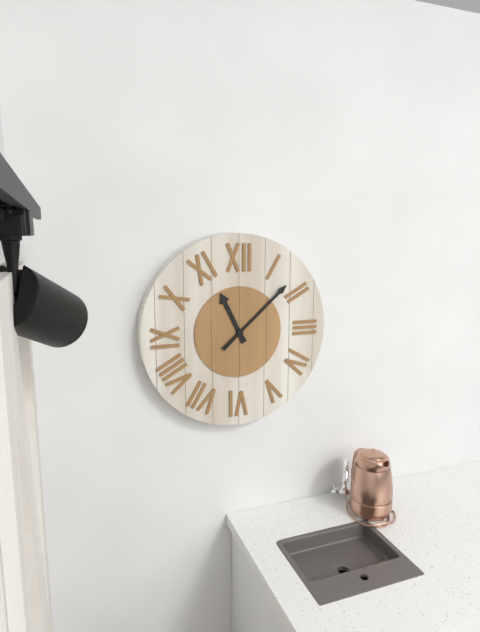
{"hour": 11, "minute": 8}
